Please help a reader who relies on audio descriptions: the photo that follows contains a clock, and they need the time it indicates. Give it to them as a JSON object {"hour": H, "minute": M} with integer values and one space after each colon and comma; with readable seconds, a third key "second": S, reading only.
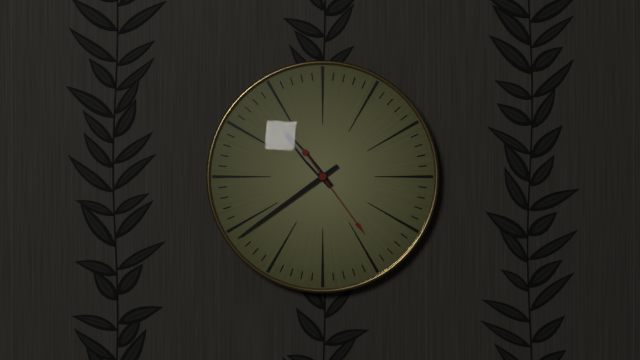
{"hour": 10, "minute": 39, "second": 24}
